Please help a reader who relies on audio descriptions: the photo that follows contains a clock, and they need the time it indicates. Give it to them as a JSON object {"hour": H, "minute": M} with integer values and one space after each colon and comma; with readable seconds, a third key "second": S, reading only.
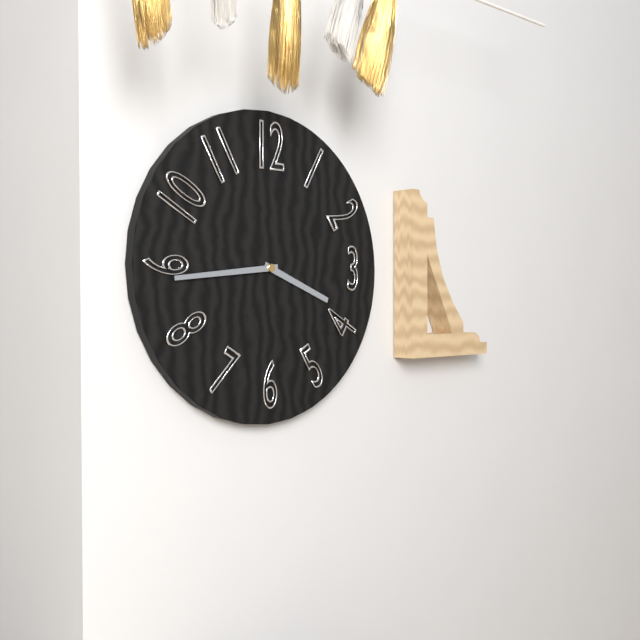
{"hour": 3, "minute": 44}
